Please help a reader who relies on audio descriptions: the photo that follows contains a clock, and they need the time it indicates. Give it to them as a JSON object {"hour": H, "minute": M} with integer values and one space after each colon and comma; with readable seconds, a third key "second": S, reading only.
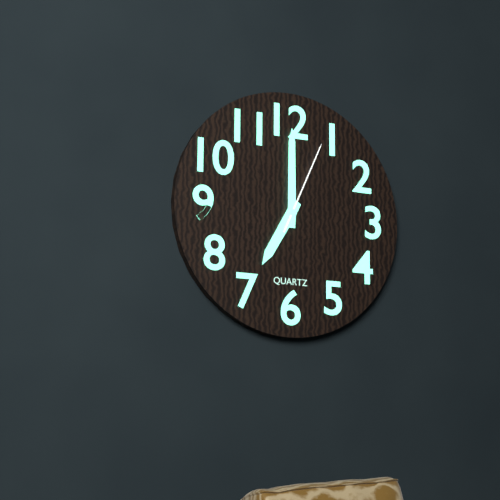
{"hour": 7, "minute": 0, "second": 4}
